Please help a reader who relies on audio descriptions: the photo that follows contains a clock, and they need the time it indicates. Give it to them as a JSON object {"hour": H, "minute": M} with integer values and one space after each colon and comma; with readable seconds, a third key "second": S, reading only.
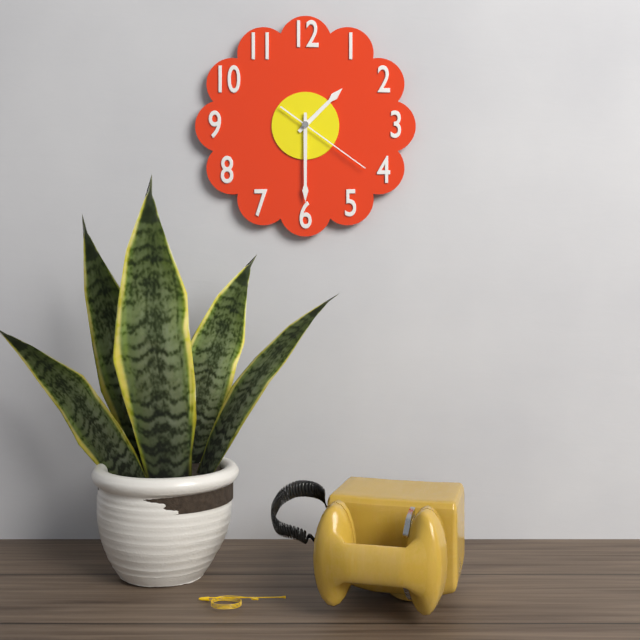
{"hour": 1, "minute": 30, "second": 21}
